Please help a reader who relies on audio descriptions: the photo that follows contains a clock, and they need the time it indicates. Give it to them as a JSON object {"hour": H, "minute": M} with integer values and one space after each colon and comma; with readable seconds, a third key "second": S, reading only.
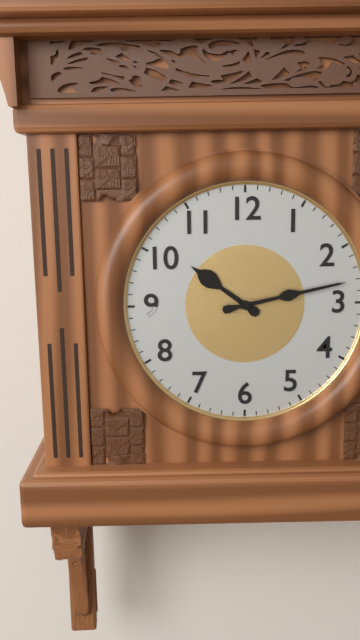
{"hour": 10, "minute": 13}
